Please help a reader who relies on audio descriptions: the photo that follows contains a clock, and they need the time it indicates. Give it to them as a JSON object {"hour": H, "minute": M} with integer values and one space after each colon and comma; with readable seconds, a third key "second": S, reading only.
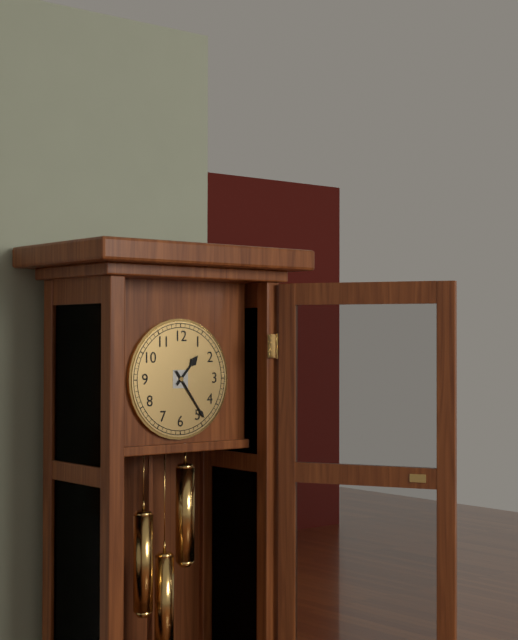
{"hour": 1, "minute": 24}
